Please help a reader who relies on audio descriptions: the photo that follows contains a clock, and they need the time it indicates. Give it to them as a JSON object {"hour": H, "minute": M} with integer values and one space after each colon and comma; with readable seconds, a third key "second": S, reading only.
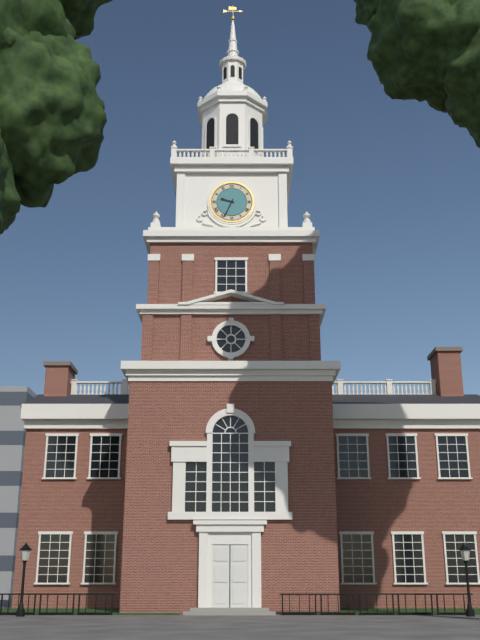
{"hour": 9, "minute": 34}
